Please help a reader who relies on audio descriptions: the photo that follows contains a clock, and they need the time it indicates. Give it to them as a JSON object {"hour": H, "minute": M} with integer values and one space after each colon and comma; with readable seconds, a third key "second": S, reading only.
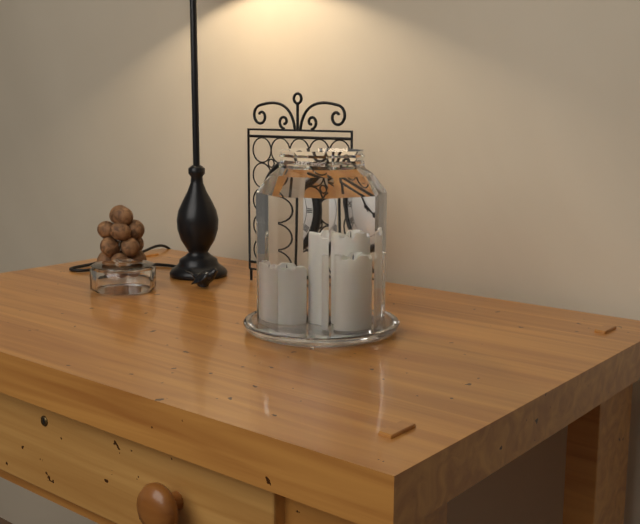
{"hour": 3, "minute": 53}
